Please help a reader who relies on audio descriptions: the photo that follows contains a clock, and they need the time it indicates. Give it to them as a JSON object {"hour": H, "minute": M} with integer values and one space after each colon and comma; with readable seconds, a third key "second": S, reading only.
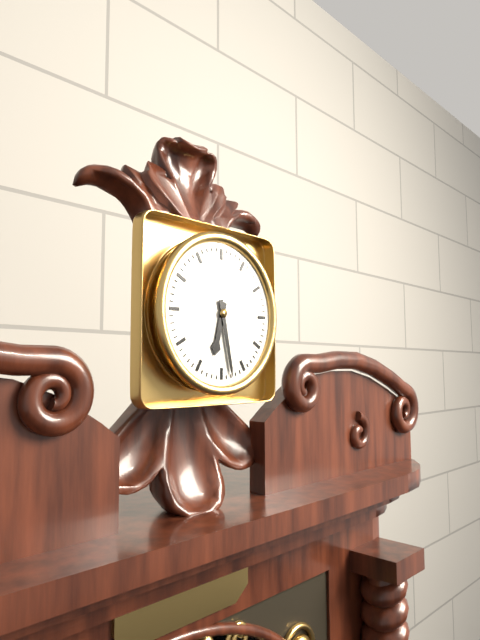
{"hour": 6, "minute": 28}
